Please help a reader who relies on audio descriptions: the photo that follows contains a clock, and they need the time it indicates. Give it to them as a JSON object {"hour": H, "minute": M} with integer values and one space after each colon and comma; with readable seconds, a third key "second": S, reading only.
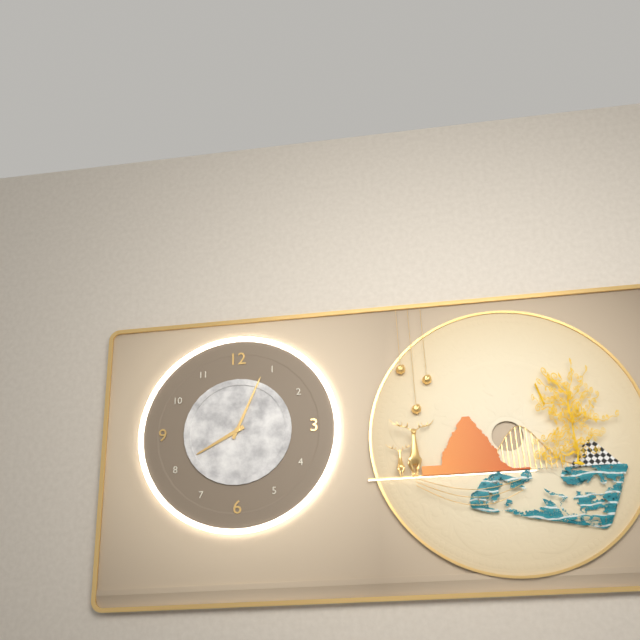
{"hour": 8, "minute": 4}
